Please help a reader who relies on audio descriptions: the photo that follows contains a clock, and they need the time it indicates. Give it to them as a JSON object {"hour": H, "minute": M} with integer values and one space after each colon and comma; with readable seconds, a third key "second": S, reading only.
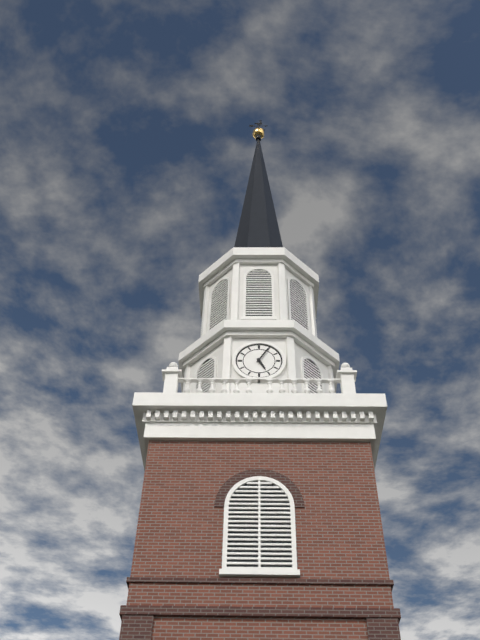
{"hour": 5, "minute": 5}
